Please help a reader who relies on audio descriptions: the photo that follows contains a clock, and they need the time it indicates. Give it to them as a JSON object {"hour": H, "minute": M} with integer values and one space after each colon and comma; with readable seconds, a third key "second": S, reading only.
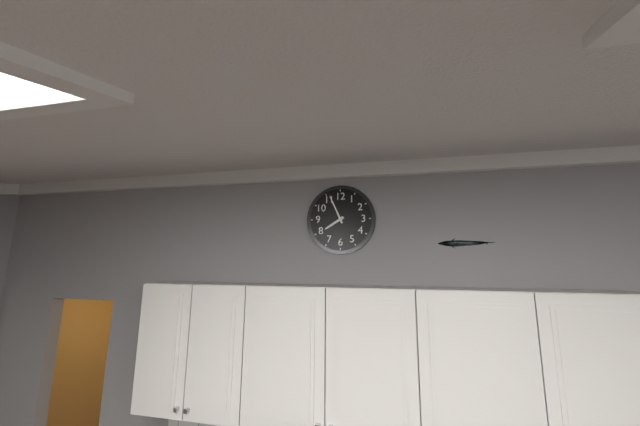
{"hour": 7, "minute": 56}
